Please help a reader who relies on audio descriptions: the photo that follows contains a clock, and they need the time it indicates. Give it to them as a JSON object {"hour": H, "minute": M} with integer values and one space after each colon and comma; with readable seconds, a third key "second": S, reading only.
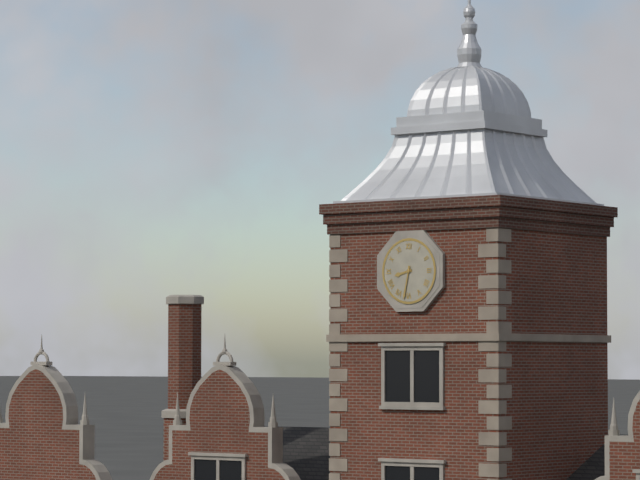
{"hour": 8, "minute": 32}
